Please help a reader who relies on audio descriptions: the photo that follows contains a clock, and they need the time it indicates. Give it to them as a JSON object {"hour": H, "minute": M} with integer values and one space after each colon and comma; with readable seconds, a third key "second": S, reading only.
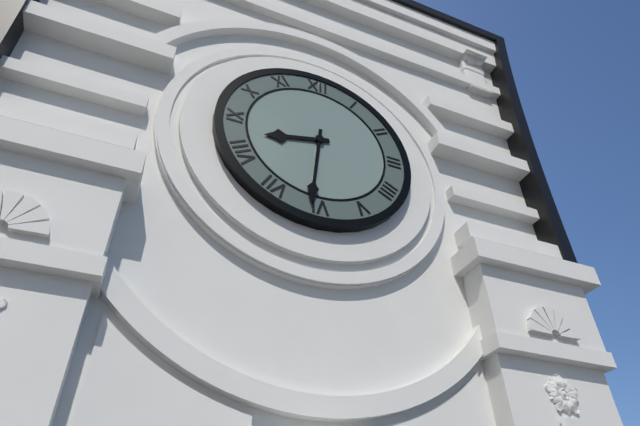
{"hour": 8, "minute": 31}
